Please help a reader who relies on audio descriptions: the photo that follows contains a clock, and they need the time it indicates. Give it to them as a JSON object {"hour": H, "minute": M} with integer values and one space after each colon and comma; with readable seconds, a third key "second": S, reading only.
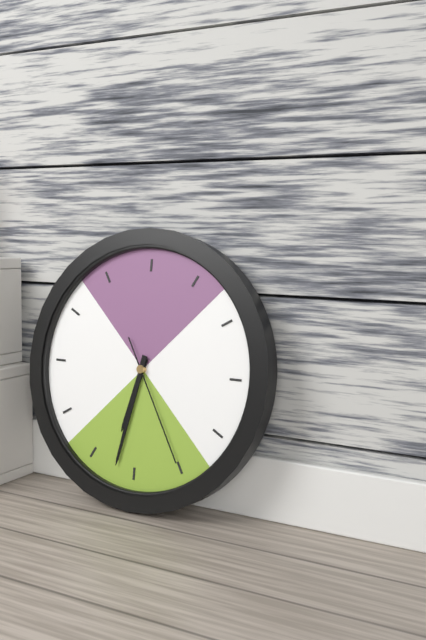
{"hour": 6, "minute": 32, "second": 25}
